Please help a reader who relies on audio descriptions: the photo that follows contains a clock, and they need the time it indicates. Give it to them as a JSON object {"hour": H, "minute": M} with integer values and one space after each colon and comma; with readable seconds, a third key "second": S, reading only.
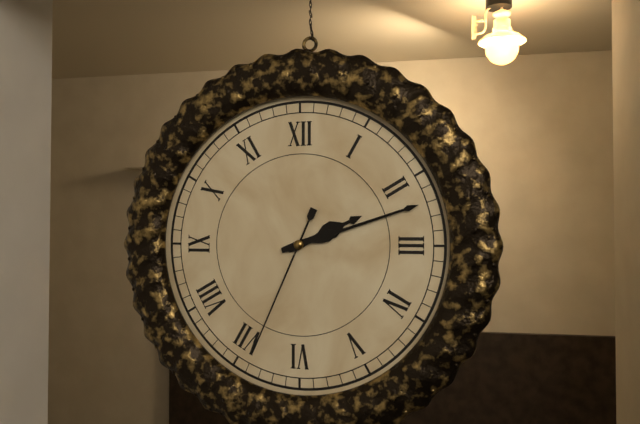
{"hour": 2, "minute": 12, "second": 34}
